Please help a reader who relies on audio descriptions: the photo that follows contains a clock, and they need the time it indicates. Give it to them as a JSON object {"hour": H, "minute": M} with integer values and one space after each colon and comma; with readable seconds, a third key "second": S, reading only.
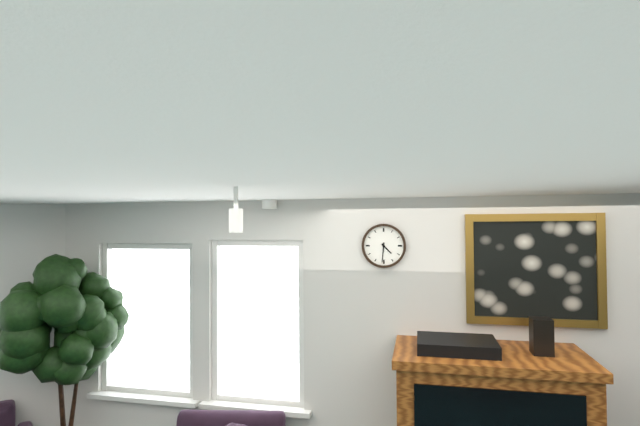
{"hour": 4, "minute": 31}
